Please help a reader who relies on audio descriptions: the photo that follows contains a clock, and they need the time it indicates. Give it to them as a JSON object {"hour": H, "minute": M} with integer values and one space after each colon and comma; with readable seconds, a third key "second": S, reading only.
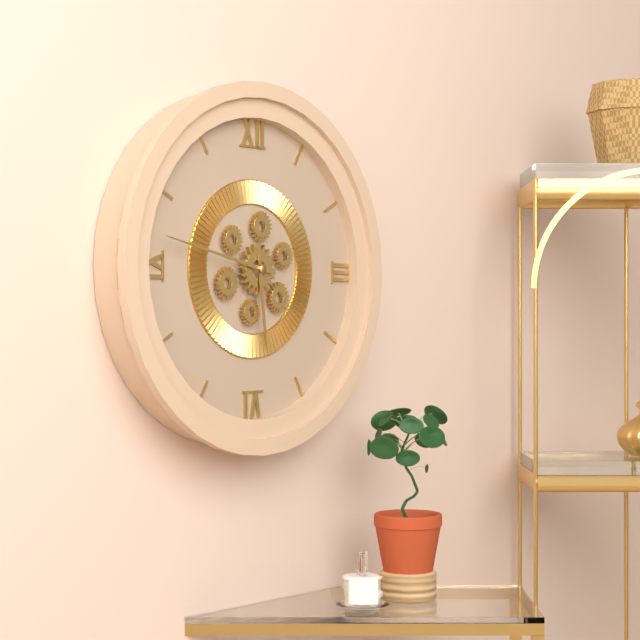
{"hour": 5, "minute": 47}
